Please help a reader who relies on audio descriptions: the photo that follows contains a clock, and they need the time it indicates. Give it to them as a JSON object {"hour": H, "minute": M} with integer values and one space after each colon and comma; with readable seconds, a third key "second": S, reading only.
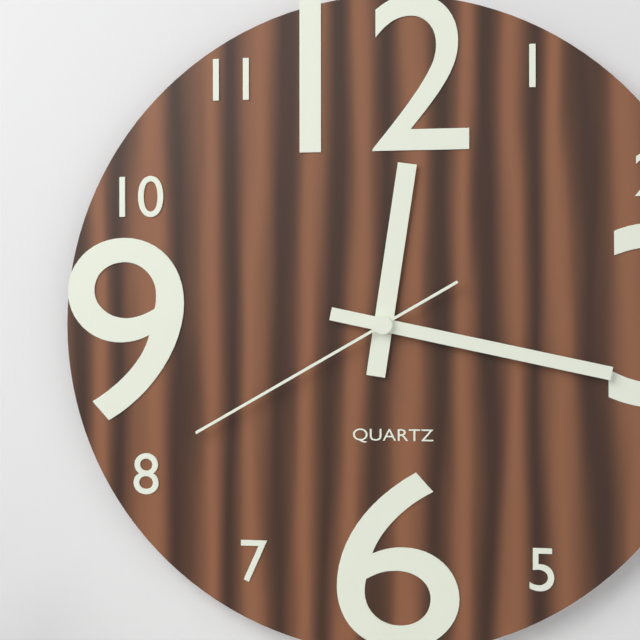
{"hour": 12, "minute": 17, "second": 40}
